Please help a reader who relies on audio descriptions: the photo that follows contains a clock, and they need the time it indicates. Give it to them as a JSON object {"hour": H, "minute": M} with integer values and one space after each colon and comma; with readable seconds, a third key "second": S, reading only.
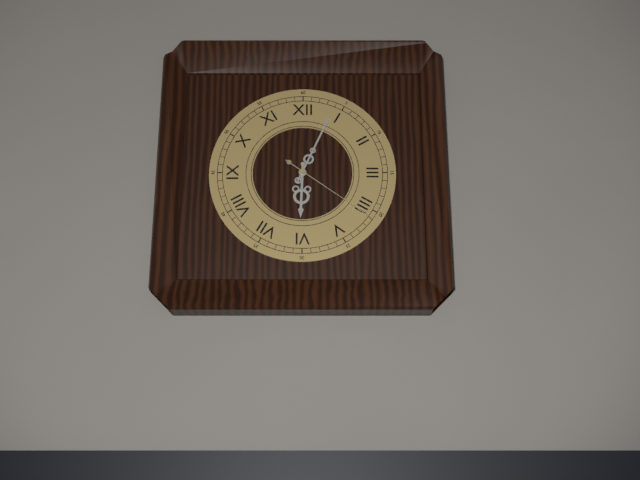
{"hour": 6, "minute": 4, "second": 21}
